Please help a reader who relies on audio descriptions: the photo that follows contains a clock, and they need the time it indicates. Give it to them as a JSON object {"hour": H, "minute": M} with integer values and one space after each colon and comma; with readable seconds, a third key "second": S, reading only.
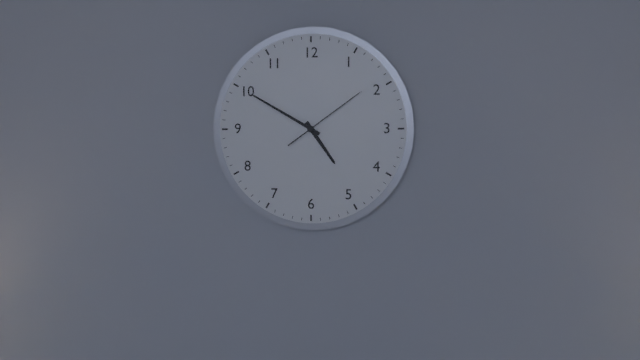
{"hour": 4, "minute": 50, "second": 9}
